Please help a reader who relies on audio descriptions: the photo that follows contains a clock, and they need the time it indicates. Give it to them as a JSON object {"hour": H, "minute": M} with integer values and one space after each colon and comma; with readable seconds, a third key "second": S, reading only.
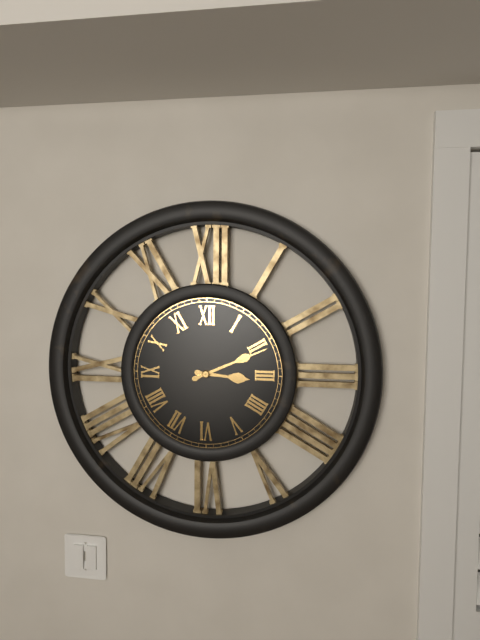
{"hour": 3, "minute": 11}
